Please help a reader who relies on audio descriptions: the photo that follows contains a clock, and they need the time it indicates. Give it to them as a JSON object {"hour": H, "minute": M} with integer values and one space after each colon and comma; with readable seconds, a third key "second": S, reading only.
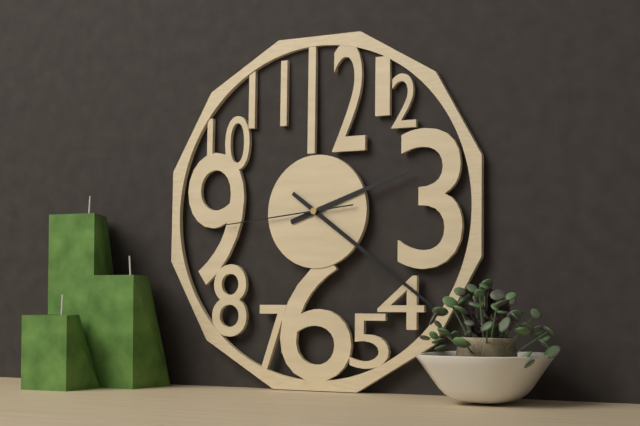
{"hour": 2, "minute": 21, "second": 44}
